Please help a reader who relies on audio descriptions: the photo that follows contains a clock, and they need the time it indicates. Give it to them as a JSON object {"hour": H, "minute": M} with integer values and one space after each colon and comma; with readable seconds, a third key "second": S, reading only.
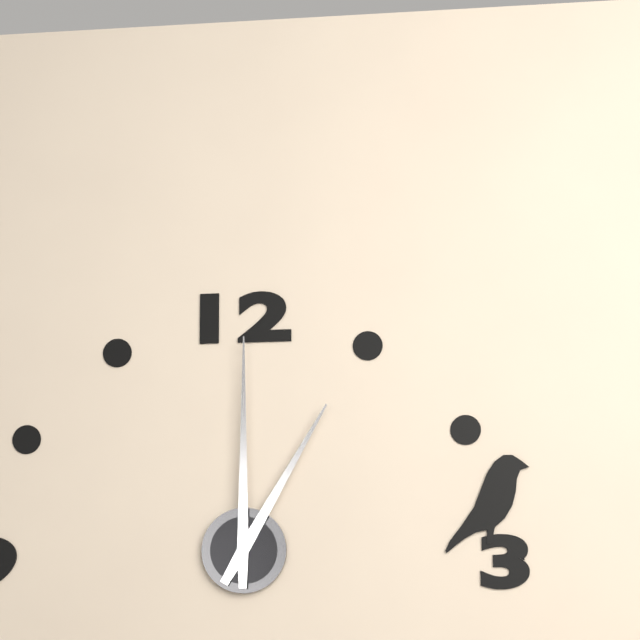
{"hour": 1, "minute": 0}
